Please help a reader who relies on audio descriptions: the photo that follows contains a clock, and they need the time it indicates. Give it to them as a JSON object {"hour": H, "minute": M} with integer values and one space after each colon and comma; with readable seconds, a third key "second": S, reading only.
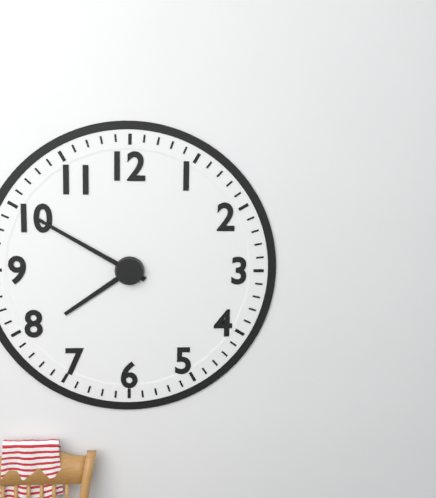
{"hour": 7, "minute": 50}
